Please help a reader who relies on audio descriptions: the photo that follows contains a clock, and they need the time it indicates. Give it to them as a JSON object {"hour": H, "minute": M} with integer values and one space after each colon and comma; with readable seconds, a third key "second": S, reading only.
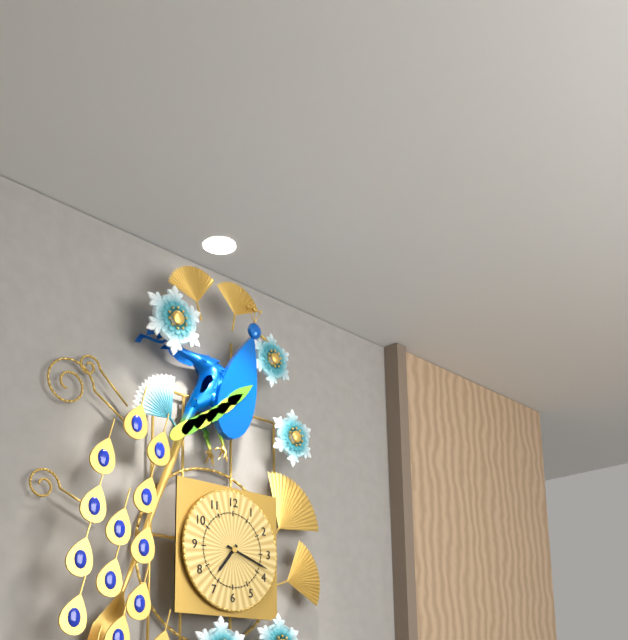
{"hour": 7, "minute": 18}
